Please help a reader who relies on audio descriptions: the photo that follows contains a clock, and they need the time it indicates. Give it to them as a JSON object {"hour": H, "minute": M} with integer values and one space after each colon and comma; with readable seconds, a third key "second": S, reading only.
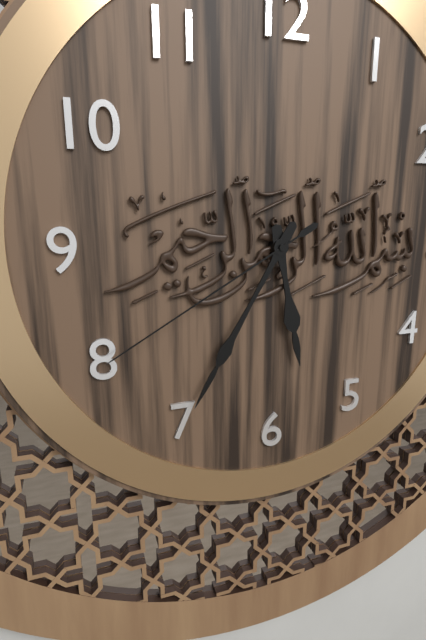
{"hour": 5, "minute": 35, "second": 40}
